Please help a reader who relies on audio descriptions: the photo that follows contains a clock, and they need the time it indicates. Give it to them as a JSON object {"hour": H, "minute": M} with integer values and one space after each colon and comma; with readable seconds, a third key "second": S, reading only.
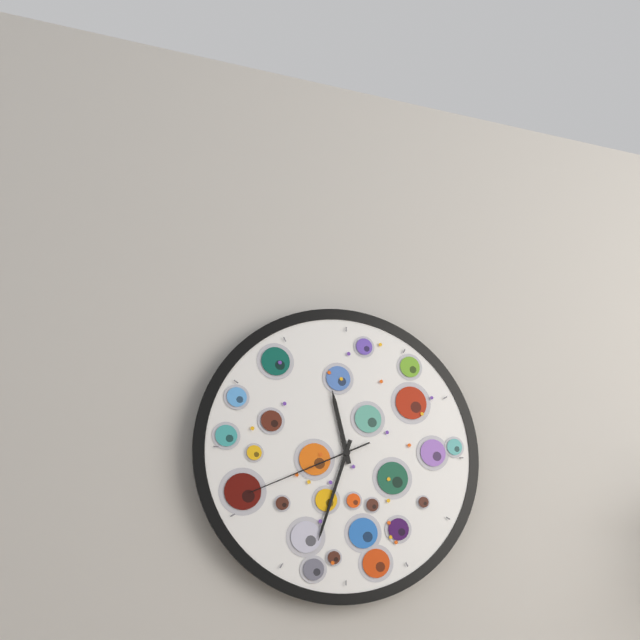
{"hour": 11, "minute": 33, "second": 41}
